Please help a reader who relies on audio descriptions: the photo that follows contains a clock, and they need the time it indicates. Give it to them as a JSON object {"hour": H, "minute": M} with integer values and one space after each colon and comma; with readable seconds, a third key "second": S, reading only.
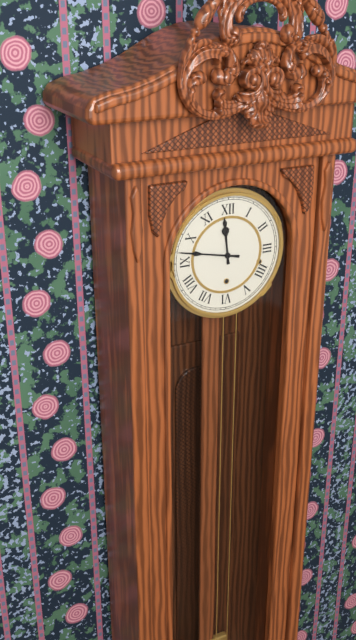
{"hour": 11, "minute": 47}
